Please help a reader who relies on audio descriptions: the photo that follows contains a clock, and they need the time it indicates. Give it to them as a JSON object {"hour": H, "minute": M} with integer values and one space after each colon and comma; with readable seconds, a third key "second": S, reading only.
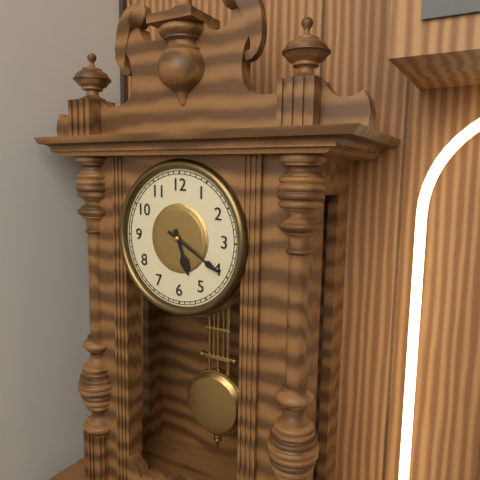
{"hour": 5, "minute": 20}
